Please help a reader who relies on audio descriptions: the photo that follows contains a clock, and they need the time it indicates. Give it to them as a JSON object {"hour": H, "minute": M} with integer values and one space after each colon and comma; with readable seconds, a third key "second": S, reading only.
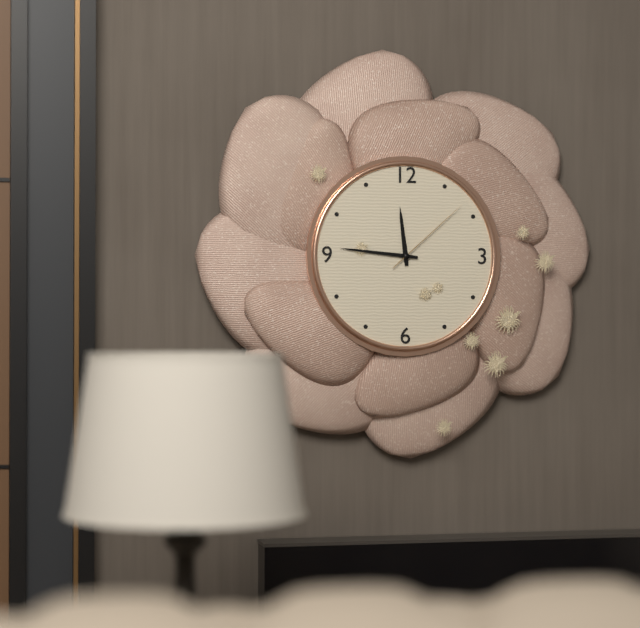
{"hour": 11, "minute": 46, "second": 8}
